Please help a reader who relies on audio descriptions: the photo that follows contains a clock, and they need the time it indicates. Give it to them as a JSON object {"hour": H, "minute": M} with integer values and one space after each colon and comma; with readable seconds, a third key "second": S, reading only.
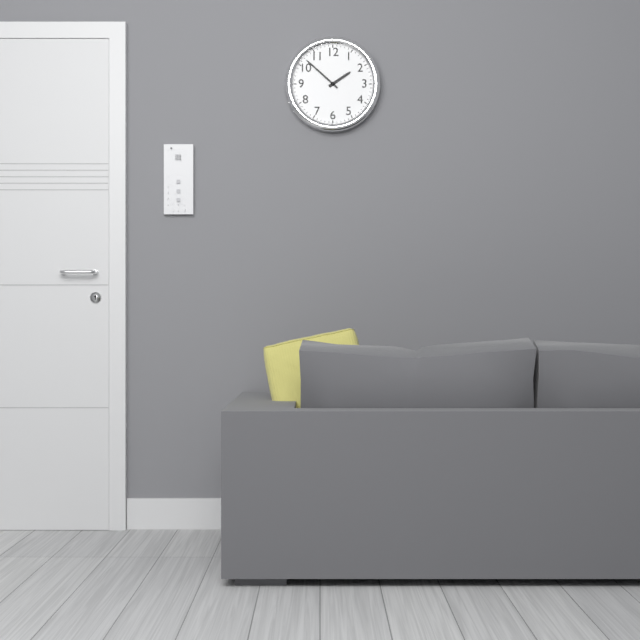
{"hour": 1, "minute": 52}
